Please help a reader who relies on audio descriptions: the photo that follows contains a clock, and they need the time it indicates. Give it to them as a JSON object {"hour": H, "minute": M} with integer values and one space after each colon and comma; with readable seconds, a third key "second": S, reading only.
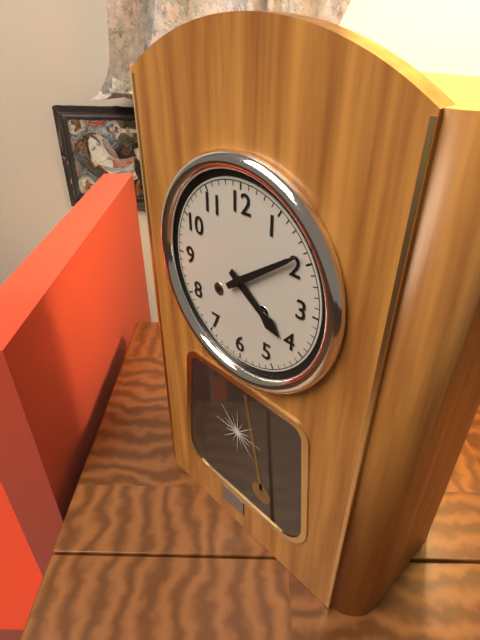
{"hour": 4, "minute": 9}
